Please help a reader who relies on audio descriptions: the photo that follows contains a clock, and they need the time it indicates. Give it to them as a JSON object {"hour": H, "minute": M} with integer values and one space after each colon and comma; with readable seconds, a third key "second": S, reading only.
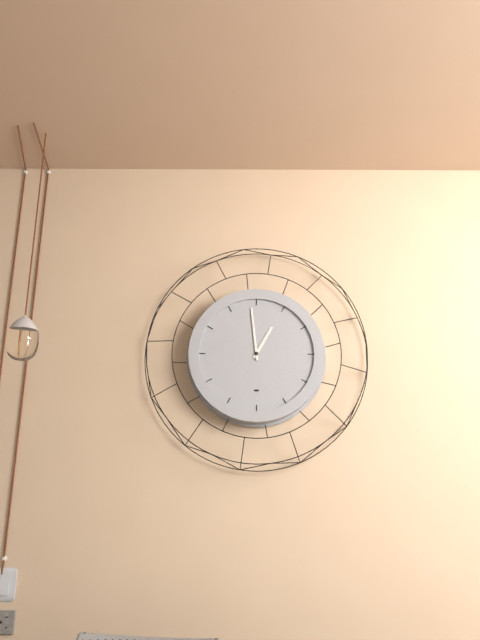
{"hour": 12, "minute": 59}
